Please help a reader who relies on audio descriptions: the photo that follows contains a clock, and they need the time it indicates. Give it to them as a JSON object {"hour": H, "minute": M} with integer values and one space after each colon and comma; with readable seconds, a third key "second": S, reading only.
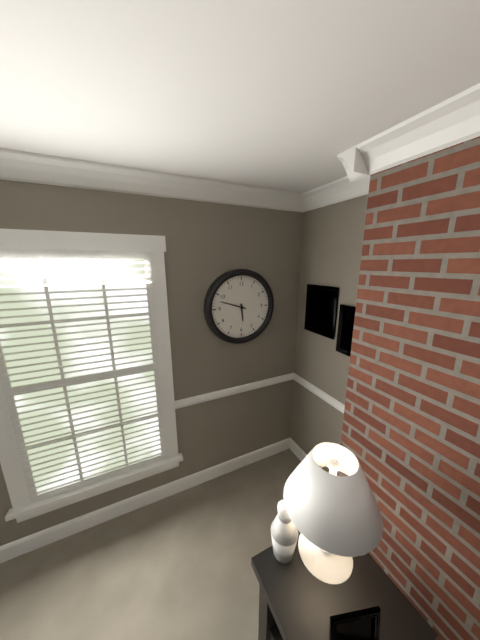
{"hour": 5, "minute": 48}
